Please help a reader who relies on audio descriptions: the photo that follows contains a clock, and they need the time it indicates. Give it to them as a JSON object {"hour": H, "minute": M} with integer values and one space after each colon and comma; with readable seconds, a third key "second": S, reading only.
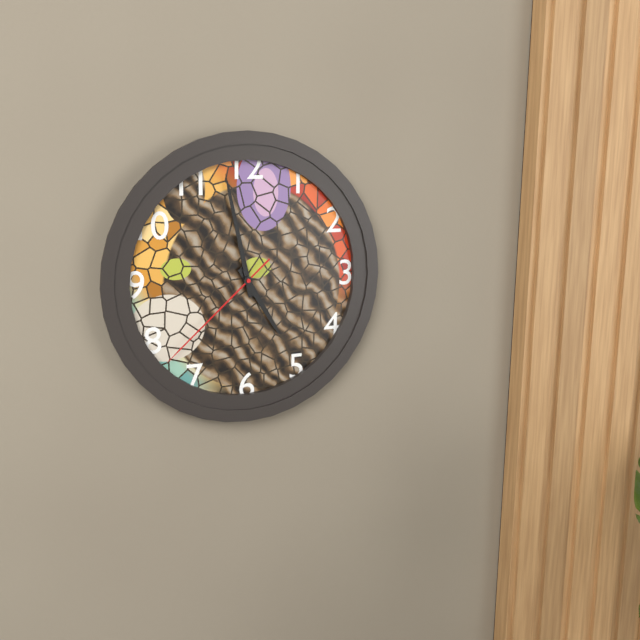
{"hour": 4, "minute": 58, "second": 38}
